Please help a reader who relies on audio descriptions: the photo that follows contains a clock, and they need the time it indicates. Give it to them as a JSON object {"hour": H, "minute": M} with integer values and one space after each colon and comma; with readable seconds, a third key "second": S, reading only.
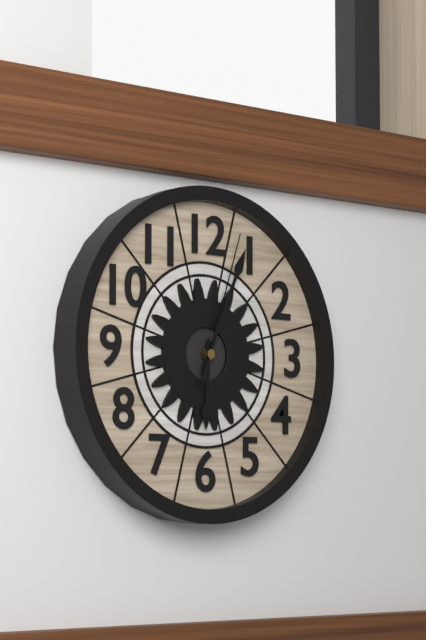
{"hour": 6, "minute": 4, "second": 3}
